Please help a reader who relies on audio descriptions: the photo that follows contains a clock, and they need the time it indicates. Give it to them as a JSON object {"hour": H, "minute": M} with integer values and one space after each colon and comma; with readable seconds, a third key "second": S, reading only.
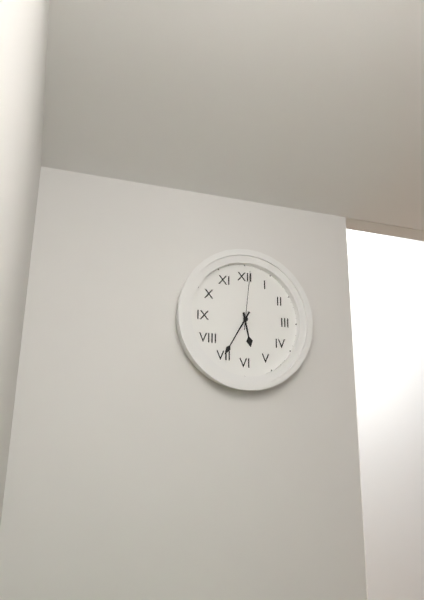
{"hour": 5, "minute": 35, "second": 1}
